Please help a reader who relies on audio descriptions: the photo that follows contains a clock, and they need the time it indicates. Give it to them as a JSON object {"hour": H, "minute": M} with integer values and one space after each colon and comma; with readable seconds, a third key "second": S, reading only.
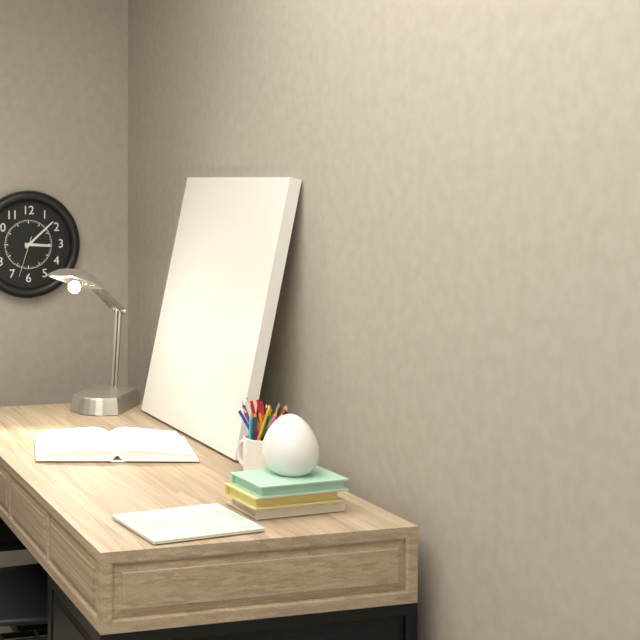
{"hour": 3, "minute": 8}
